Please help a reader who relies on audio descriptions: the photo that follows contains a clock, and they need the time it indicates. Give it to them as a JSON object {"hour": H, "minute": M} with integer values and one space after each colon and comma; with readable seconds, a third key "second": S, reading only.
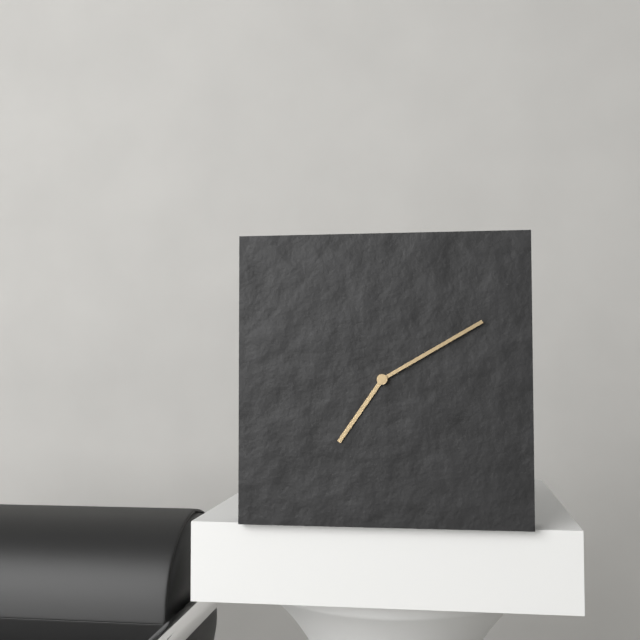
{"hour": 7, "minute": 10}
